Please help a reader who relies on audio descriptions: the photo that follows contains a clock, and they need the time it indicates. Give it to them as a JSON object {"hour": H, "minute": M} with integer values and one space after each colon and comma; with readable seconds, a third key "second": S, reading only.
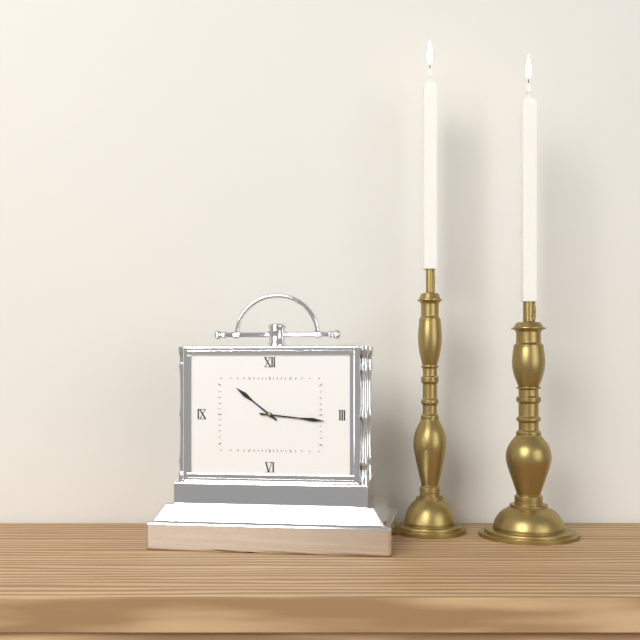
{"hour": 10, "minute": 16}
